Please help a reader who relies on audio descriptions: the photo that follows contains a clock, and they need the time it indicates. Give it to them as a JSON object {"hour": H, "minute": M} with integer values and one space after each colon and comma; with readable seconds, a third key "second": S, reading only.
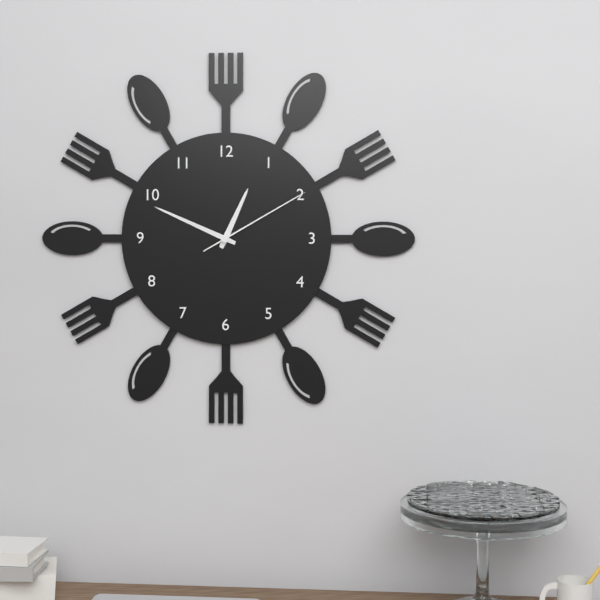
{"hour": 12, "minute": 49, "second": 10}
